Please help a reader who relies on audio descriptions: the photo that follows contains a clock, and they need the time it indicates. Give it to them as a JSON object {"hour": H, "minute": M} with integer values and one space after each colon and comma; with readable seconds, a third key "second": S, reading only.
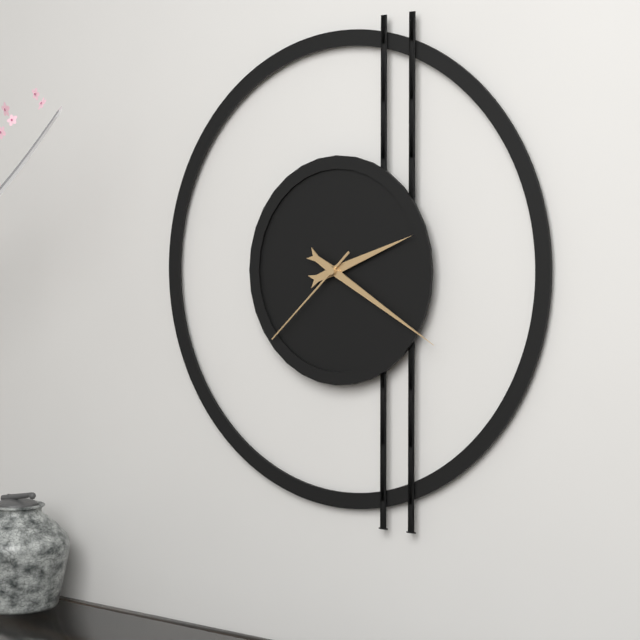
{"hour": 2, "minute": 20, "second": 38}
